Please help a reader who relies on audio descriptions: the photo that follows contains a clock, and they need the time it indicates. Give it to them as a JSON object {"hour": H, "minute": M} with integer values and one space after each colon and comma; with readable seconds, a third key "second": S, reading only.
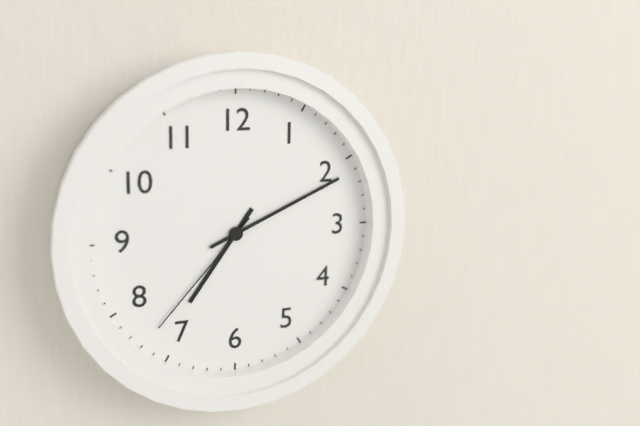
{"hour": 7, "minute": 11, "second": 37}
